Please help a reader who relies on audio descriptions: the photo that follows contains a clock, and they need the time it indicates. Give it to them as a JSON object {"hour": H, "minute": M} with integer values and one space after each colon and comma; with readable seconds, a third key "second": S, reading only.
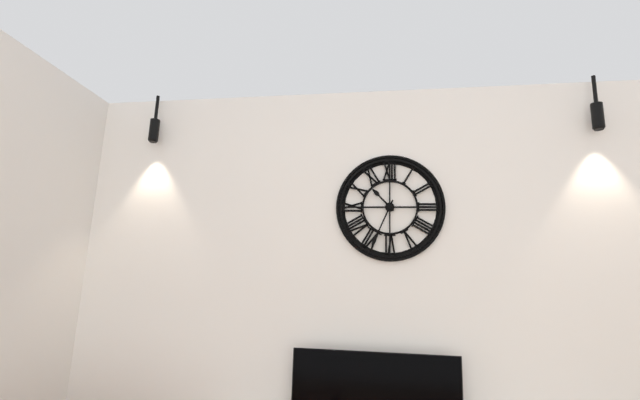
{"hour": 10, "minute": 34}
